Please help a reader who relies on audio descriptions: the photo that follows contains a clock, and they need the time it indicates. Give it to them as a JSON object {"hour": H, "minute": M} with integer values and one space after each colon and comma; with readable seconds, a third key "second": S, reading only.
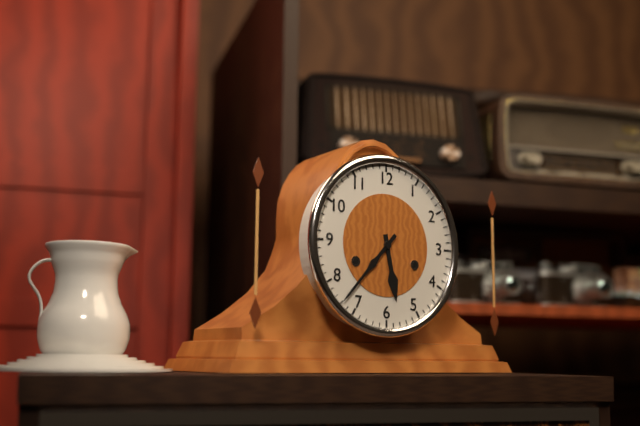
{"hour": 5, "minute": 37}
